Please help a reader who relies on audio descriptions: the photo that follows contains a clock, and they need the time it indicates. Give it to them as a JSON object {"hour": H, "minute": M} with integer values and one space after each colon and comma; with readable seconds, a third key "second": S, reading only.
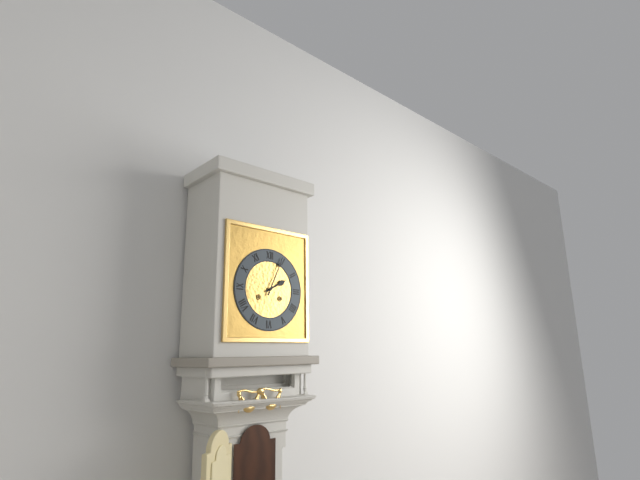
{"hour": 2, "minute": 4}
